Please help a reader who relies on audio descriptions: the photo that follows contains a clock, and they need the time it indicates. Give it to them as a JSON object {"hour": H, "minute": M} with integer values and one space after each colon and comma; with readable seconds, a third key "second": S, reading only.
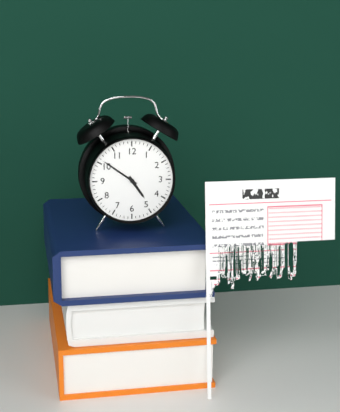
{"hour": 4, "minute": 51}
